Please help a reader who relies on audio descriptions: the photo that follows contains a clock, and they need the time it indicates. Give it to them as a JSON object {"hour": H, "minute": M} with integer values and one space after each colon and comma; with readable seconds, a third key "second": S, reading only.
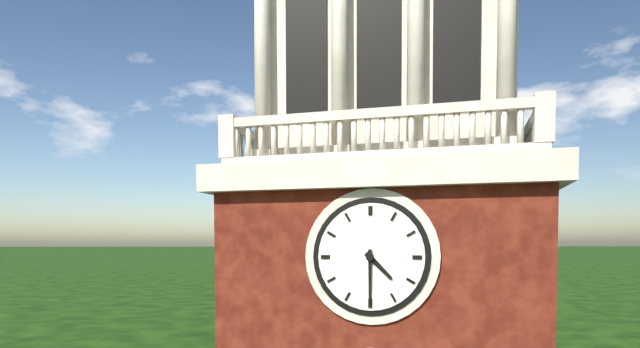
{"hour": 4, "minute": 30}
